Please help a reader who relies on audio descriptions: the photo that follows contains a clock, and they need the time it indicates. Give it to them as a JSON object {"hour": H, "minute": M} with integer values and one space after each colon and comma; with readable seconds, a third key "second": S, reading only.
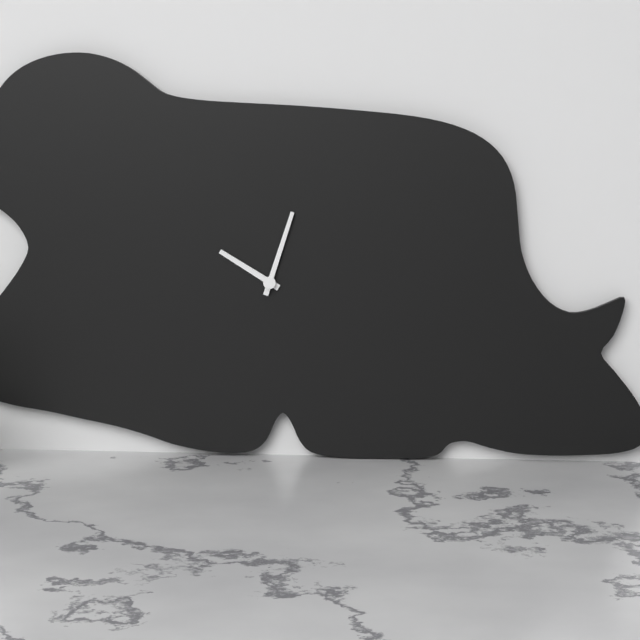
{"hour": 10, "minute": 3}
